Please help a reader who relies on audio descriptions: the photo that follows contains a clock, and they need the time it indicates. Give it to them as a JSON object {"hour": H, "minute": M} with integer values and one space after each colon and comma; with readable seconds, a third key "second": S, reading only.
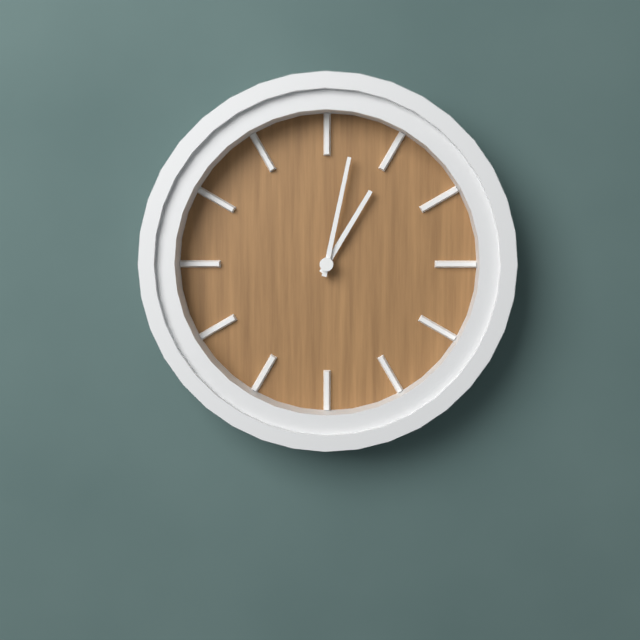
{"hour": 1, "minute": 2}
